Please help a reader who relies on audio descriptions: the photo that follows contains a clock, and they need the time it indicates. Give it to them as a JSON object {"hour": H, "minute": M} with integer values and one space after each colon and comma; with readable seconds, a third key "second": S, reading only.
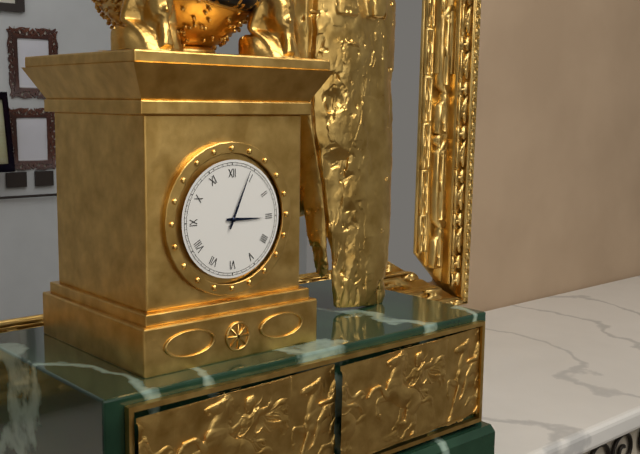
{"hour": 3, "minute": 4}
